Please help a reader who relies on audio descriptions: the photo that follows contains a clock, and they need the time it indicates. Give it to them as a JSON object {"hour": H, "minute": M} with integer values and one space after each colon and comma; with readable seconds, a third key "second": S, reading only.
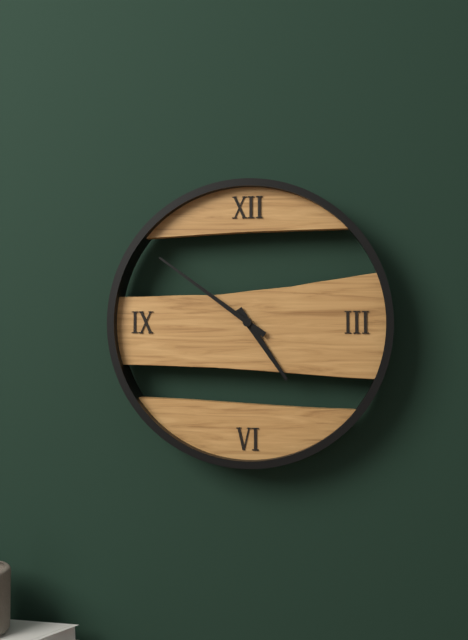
{"hour": 4, "minute": 51}
